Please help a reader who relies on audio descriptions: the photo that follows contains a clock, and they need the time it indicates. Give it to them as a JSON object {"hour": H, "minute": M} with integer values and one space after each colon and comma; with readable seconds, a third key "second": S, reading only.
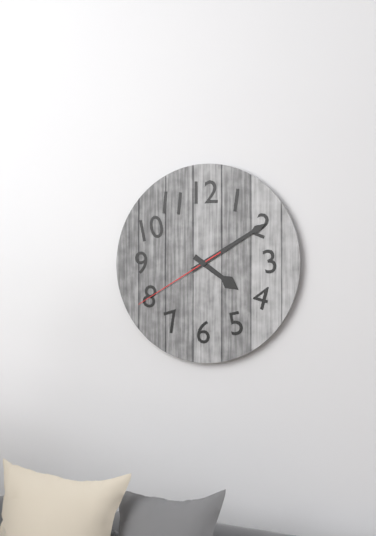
{"hour": 4, "minute": 10, "second": 40}
